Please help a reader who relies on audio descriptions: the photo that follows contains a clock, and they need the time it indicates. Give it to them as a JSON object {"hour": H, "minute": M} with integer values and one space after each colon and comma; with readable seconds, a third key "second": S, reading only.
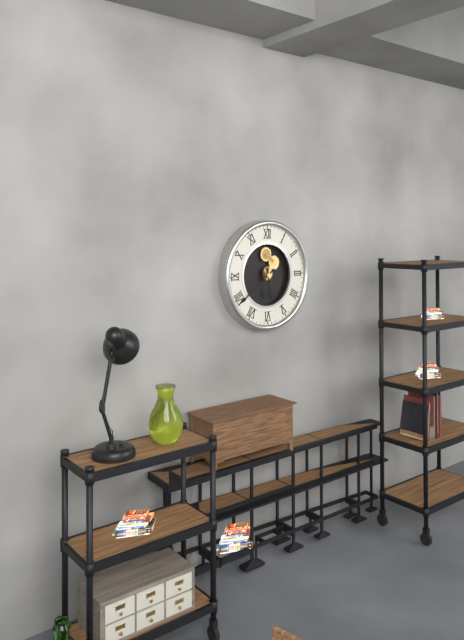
{"hour": 5, "minute": 39}
